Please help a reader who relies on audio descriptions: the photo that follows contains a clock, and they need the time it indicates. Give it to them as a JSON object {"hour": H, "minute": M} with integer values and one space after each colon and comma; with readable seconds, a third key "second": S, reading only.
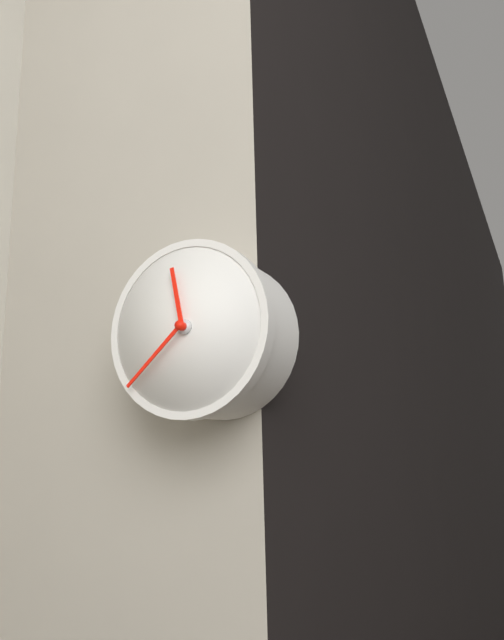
{"hour": 11, "minute": 38}
